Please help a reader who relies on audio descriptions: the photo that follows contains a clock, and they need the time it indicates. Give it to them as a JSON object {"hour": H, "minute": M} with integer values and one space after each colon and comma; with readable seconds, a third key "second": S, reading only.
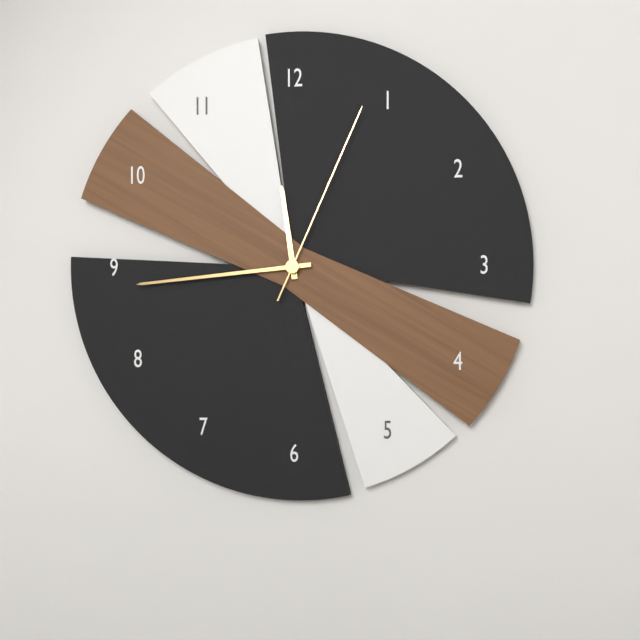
{"hour": 11, "minute": 44, "second": 4}
